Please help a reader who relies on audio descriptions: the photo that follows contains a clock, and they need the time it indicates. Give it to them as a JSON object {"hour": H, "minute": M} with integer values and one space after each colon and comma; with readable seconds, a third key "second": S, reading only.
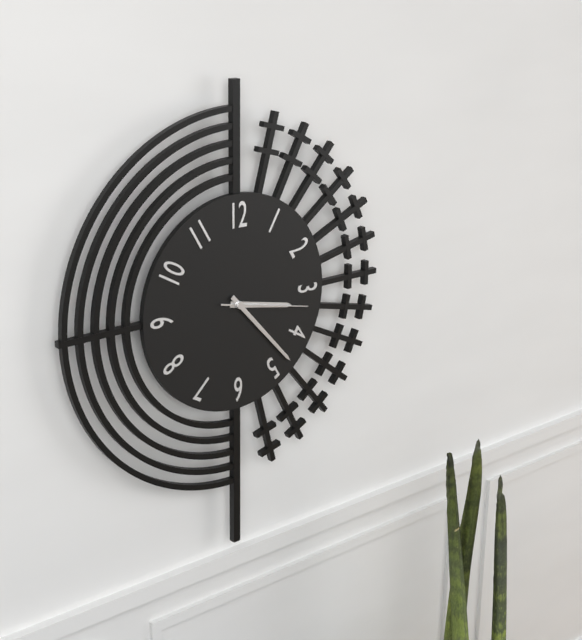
{"hour": 3, "minute": 23, "second": 17}
